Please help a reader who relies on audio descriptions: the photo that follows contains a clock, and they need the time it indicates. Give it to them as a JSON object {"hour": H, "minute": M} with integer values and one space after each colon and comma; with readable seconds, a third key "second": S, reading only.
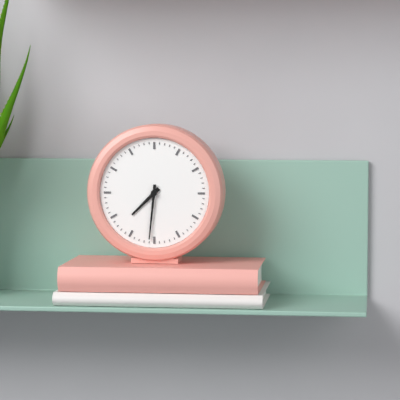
{"hour": 7, "minute": 31}
